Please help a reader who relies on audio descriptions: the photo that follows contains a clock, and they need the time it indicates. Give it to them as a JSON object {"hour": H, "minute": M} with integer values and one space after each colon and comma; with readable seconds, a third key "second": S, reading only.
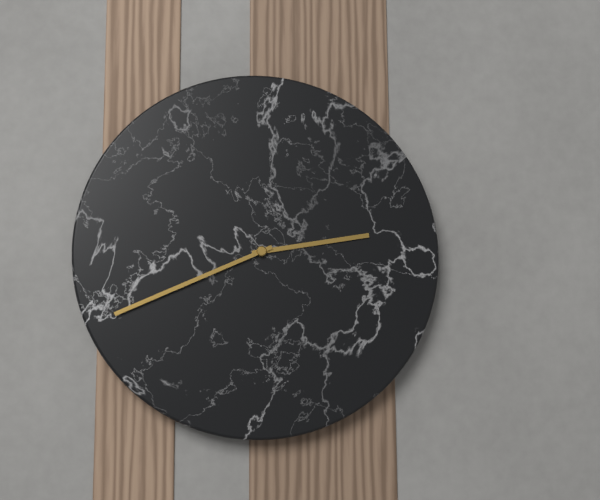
{"hour": 2, "minute": 41}
